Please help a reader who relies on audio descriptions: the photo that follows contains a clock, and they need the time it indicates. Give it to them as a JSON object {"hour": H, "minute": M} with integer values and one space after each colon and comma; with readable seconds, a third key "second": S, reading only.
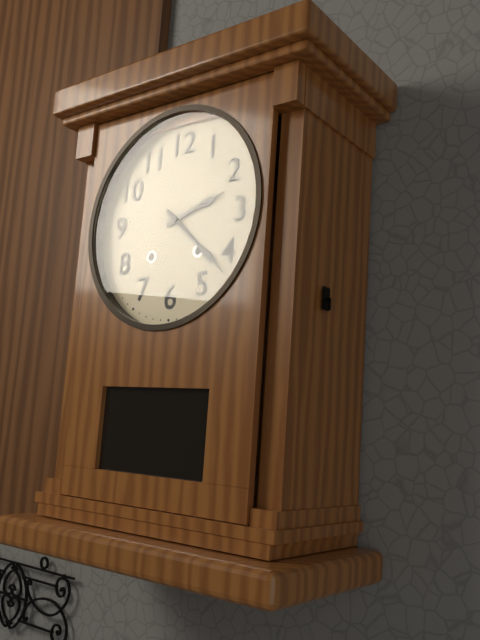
{"hour": 2, "minute": 22}
